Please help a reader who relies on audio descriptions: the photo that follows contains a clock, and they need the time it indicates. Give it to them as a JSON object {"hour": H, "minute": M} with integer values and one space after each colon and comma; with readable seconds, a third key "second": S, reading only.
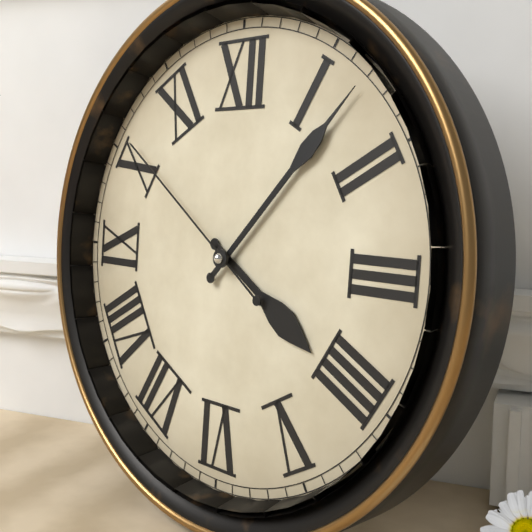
{"hour": 4, "minute": 7, "second": 51}
